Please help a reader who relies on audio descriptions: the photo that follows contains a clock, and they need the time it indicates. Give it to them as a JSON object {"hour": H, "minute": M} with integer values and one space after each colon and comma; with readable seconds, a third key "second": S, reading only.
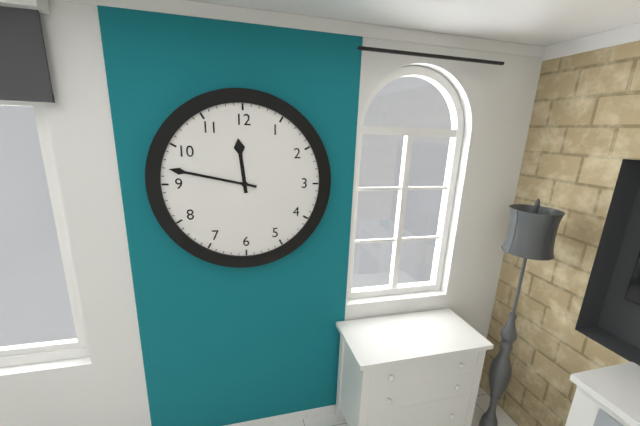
{"hour": 11, "minute": 47}
